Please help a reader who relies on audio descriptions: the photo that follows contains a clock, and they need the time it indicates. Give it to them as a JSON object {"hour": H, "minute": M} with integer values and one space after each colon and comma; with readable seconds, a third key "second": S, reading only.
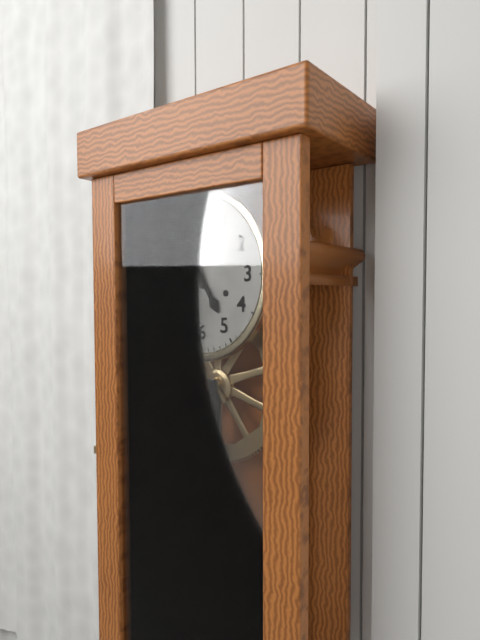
{"hour": 4, "minute": 57}
